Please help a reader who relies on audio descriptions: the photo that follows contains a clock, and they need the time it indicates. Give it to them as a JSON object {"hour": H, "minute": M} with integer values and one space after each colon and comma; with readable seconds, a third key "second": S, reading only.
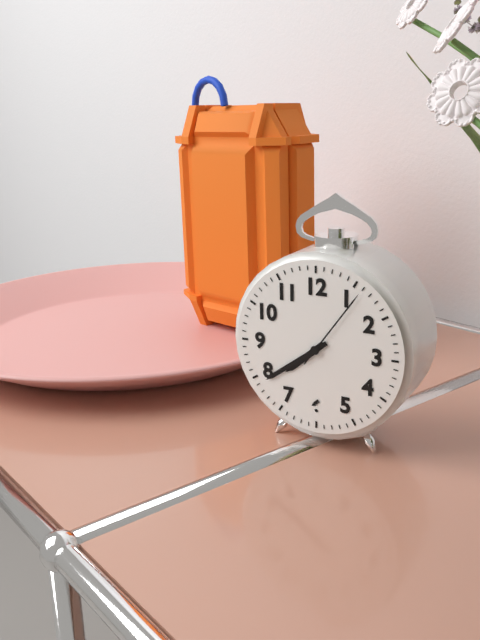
{"hour": 7, "minute": 39, "second": 6}
